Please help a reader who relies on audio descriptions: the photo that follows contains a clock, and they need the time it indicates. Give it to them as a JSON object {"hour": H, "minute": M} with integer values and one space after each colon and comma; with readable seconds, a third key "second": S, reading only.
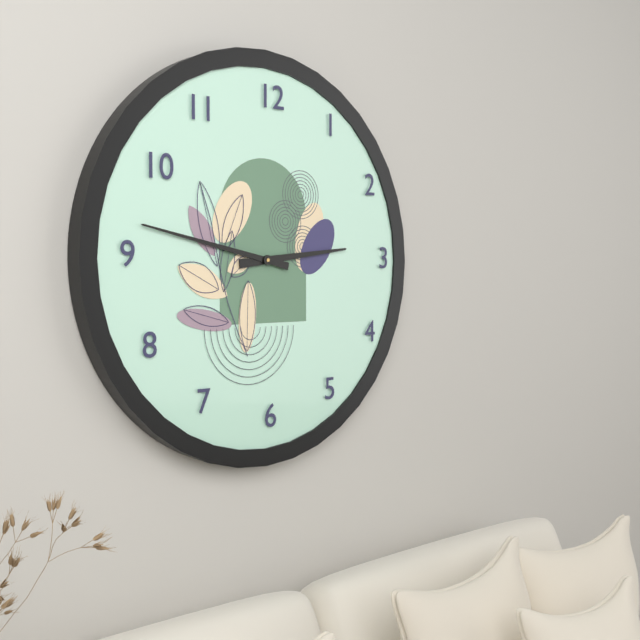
{"hour": 2, "minute": 47}
